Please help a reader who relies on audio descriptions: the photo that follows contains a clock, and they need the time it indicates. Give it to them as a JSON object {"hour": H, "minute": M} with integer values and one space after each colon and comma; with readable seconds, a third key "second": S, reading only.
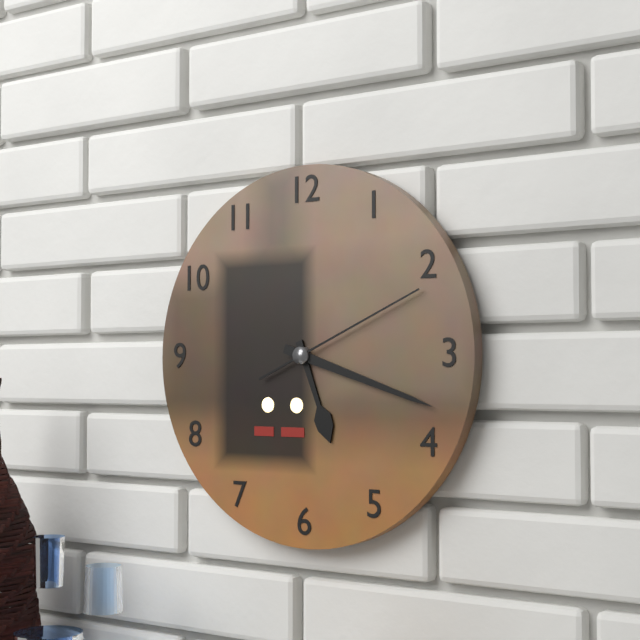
{"hour": 5, "minute": 18, "second": 11}
